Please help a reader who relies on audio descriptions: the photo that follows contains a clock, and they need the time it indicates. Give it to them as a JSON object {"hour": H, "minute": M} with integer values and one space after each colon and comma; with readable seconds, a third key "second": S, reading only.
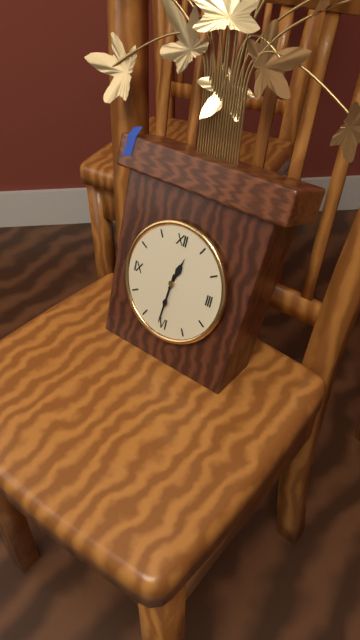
{"hour": 12, "minute": 31}
